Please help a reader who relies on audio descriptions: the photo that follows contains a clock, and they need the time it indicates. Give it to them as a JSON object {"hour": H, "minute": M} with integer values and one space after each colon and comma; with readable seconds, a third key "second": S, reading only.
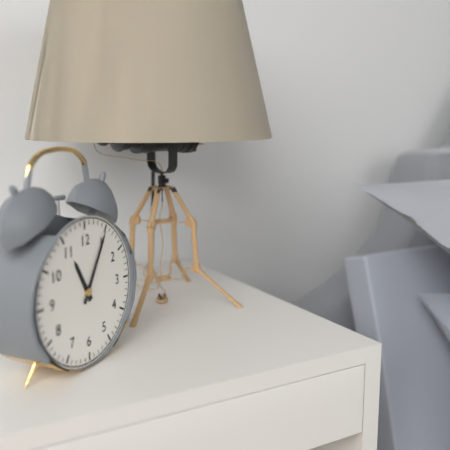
{"hour": 11, "minute": 5}
